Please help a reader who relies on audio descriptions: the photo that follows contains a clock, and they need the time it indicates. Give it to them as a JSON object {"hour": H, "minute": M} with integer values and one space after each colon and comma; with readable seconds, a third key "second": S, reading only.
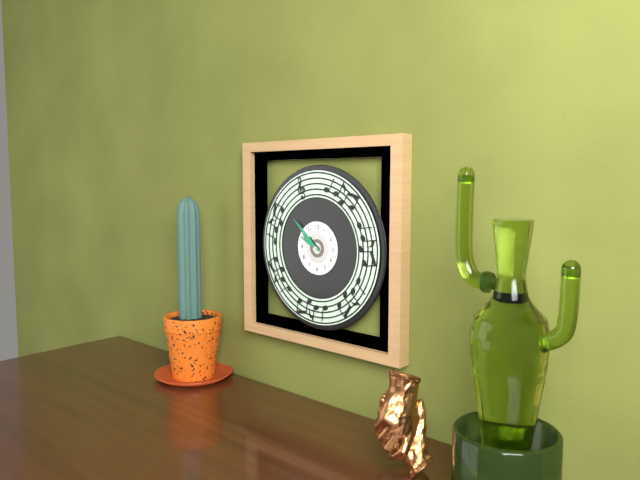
{"hour": 9, "minute": 52}
